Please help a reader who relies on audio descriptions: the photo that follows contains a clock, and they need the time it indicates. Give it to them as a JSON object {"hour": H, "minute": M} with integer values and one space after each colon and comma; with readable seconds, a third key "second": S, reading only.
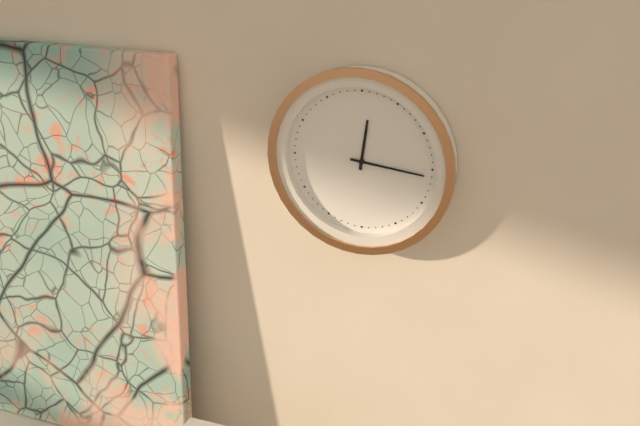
{"hour": 12, "minute": 16}
